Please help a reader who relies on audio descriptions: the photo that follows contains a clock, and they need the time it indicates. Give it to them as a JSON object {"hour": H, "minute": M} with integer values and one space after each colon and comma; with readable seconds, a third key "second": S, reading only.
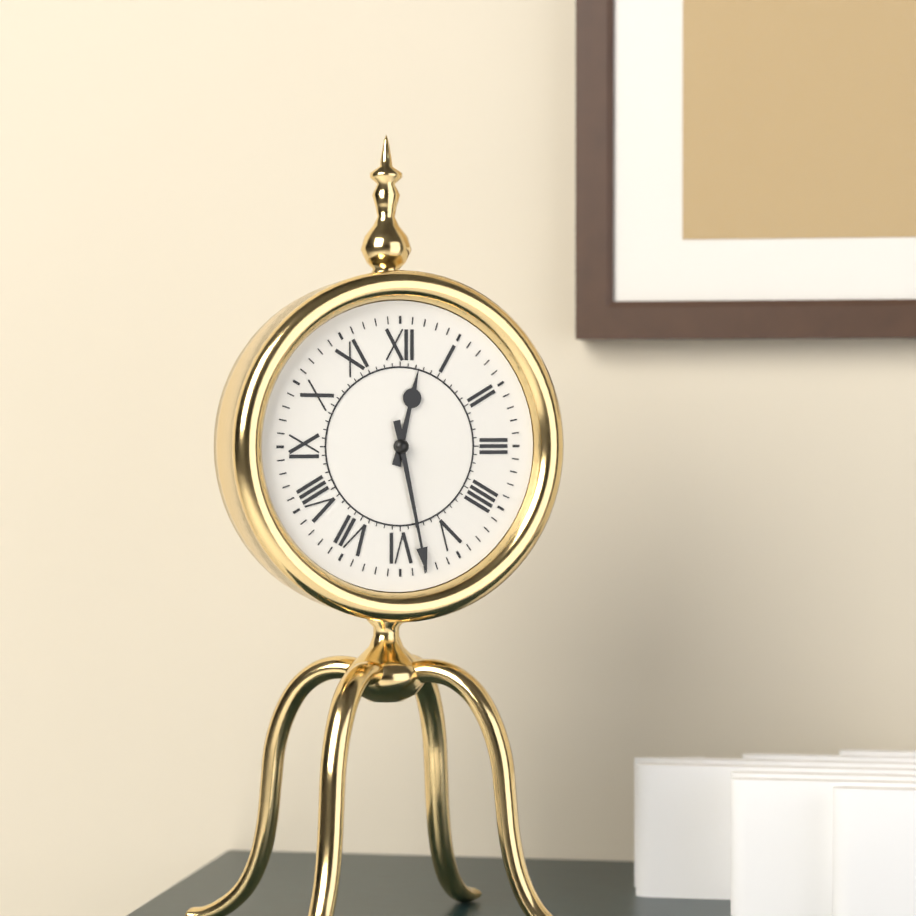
{"hour": 12, "minute": 28}
